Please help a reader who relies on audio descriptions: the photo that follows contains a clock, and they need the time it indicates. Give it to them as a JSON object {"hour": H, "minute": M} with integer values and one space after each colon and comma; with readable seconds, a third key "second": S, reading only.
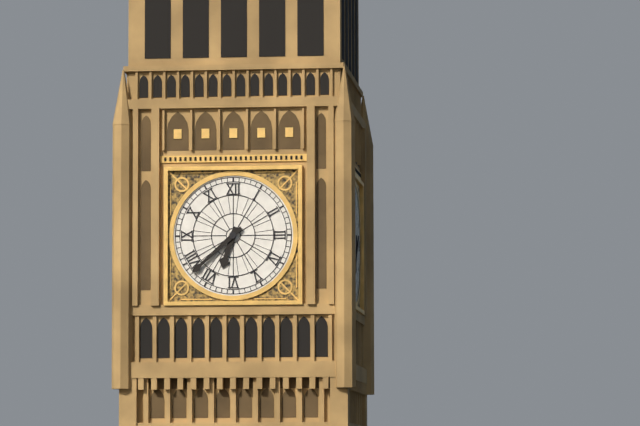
{"hour": 6, "minute": 38}
